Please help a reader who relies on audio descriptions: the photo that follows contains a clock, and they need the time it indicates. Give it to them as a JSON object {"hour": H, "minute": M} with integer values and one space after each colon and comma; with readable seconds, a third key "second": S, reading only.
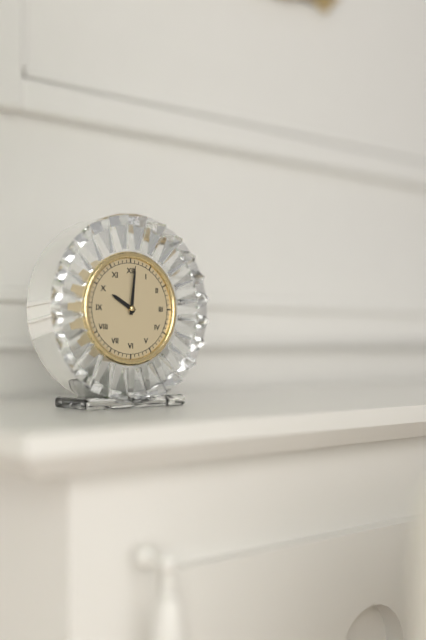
{"hour": 10, "minute": 1}
